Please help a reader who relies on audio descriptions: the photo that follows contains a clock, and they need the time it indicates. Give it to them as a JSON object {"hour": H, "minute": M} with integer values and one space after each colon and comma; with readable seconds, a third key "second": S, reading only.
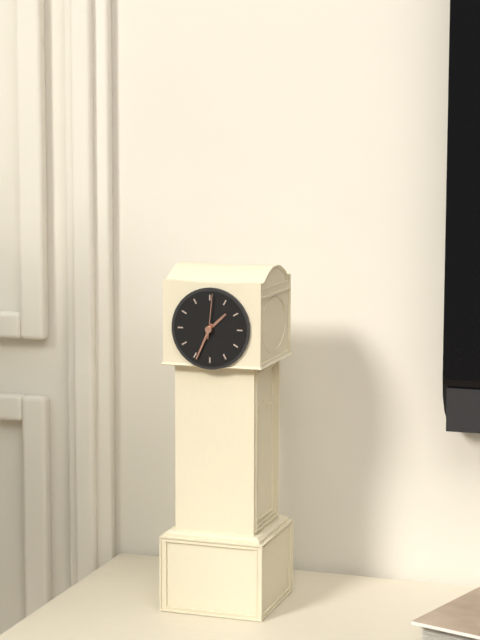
{"hour": 1, "minute": 34}
